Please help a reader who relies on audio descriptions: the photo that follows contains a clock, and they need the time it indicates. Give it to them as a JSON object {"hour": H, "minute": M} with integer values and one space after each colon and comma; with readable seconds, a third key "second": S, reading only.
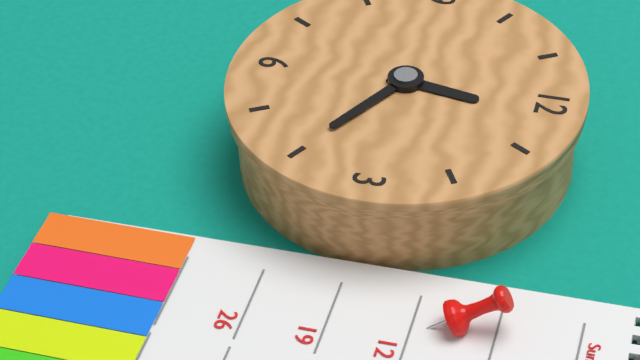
{"hour": 12, "minute": 20}
